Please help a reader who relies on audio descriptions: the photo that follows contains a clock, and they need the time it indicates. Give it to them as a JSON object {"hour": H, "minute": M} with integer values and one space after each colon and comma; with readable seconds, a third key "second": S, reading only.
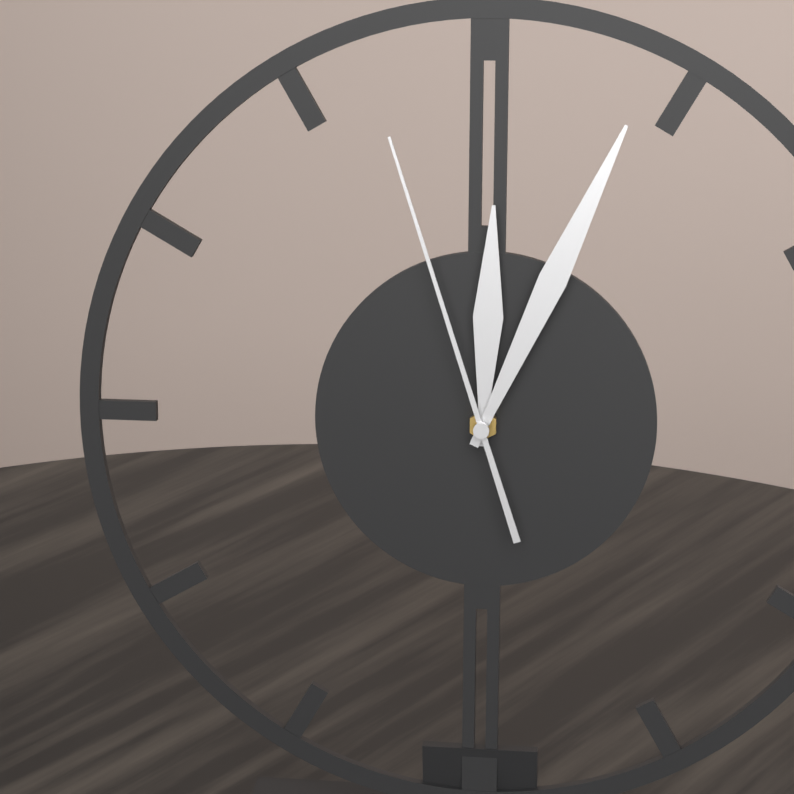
{"hour": 12, "minute": 4, "second": 57}
